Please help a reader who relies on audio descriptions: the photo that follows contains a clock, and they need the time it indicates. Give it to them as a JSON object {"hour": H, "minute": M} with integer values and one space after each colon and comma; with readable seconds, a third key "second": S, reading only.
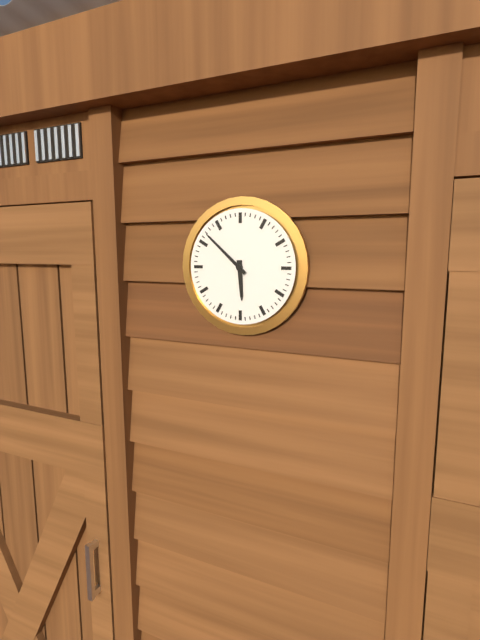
{"hour": 5, "minute": 52}
